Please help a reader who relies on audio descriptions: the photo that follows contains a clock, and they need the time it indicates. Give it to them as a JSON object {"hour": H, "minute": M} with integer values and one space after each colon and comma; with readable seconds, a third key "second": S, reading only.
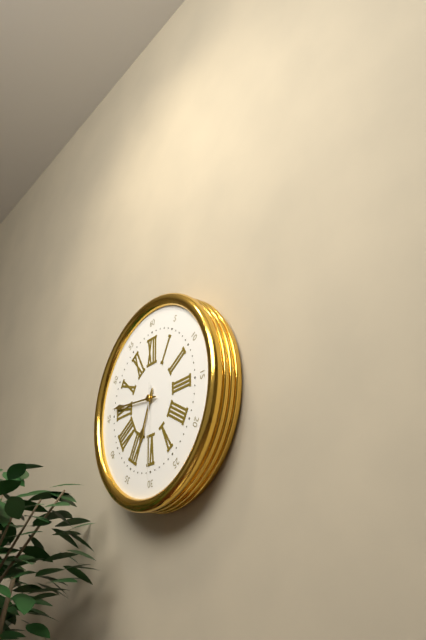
{"hour": 6, "minute": 46, "second": 30}
